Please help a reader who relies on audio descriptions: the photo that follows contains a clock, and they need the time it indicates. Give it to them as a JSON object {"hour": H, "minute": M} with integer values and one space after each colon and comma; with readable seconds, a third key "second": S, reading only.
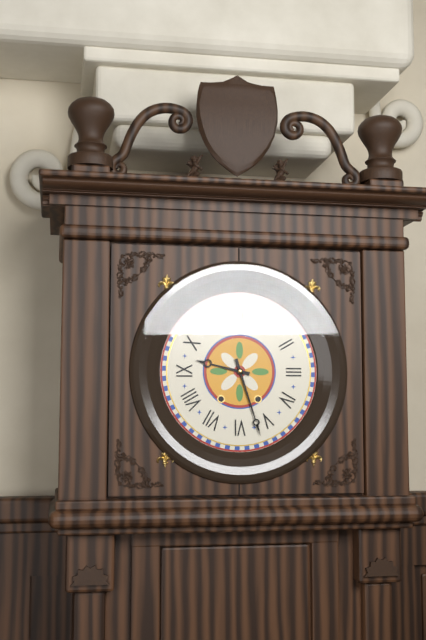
{"hour": 9, "minute": 27}
